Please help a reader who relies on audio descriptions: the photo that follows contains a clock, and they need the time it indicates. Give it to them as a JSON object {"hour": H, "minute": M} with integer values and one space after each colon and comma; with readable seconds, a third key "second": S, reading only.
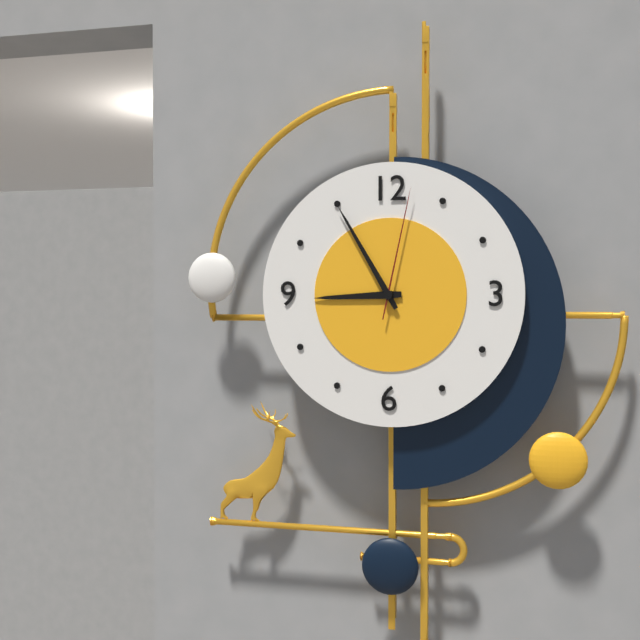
{"hour": 8, "minute": 55, "second": 2}
